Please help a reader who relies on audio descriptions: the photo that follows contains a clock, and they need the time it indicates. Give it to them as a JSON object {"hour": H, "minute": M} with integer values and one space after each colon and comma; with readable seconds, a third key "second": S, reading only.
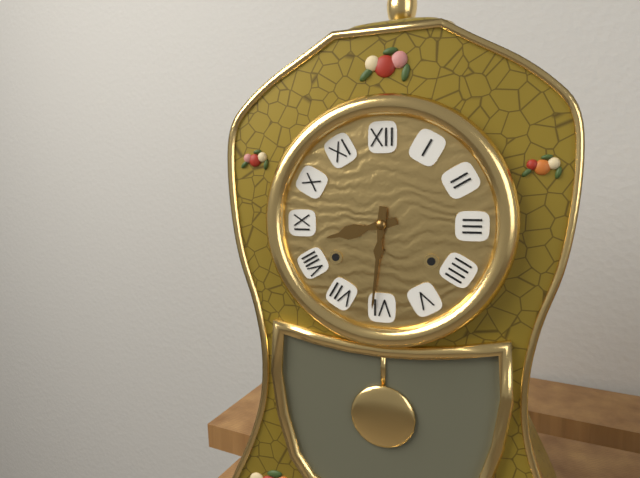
{"hour": 8, "minute": 31}
